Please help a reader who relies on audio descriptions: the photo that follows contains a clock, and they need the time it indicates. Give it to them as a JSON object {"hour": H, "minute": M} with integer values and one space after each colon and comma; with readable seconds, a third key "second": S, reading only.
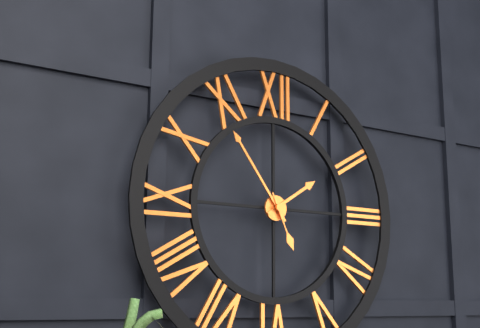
{"hour": 1, "minute": 54, "second": 26}
